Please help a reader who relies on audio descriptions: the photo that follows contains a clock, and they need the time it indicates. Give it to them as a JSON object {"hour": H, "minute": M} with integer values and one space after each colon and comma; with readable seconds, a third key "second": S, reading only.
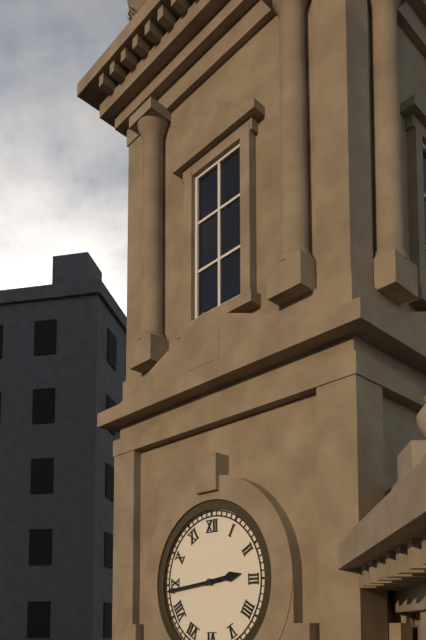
{"hour": 2, "minute": 44}
